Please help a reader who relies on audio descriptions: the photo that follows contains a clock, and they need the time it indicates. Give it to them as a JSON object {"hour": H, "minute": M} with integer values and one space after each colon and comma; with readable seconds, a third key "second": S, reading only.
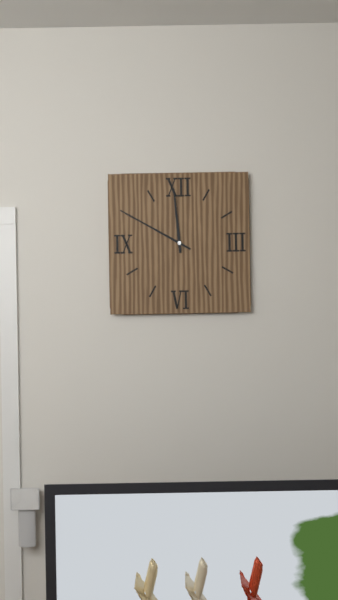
{"hour": 11, "minute": 50}
